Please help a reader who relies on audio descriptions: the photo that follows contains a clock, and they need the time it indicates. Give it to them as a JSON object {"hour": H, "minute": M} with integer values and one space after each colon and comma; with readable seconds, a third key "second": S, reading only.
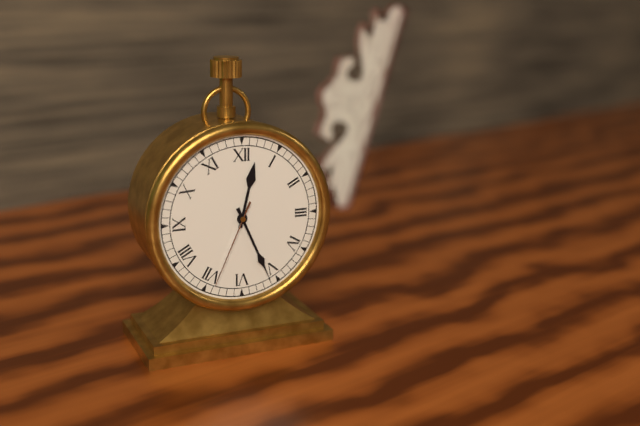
{"hour": 12, "minute": 26, "second": 34}
